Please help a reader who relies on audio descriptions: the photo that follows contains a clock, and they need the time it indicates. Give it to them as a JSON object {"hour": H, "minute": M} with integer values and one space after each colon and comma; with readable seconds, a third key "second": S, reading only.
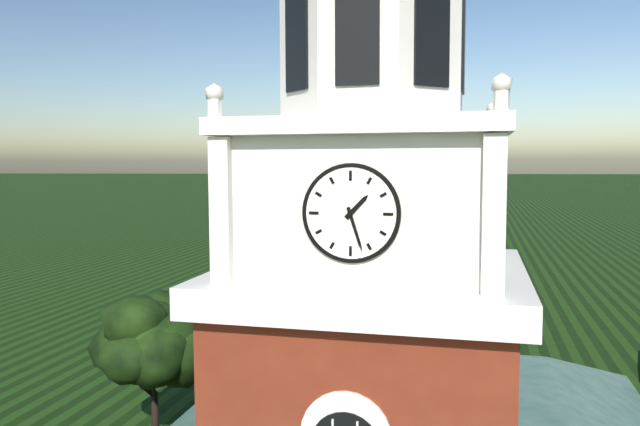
{"hour": 1, "minute": 27}
